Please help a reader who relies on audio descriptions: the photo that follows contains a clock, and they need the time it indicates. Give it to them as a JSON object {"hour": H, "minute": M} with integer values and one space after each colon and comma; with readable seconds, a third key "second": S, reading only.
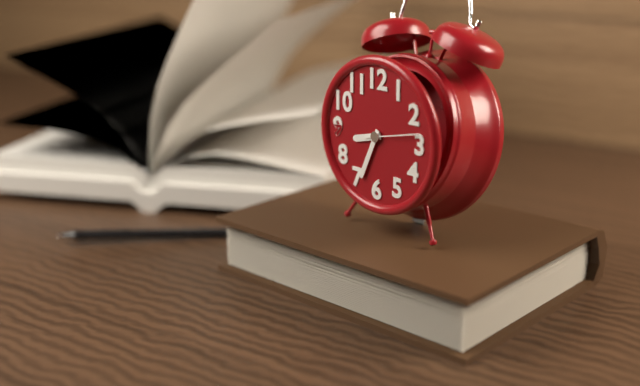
{"hour": 8, "minute": 34, "second": 13}
